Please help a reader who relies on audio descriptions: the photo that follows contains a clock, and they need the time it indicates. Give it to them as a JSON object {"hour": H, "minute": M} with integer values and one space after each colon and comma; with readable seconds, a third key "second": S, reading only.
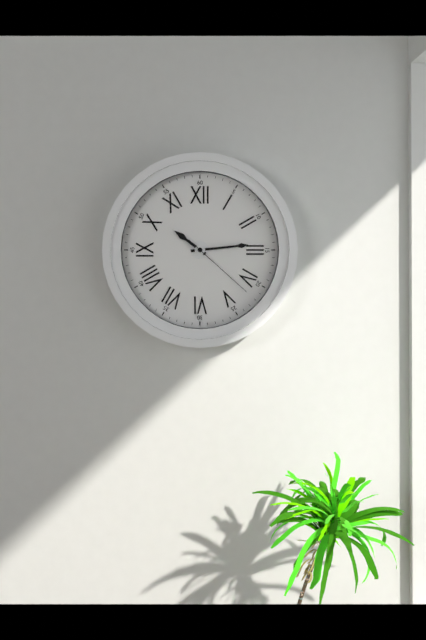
{"hour": 10, "minute": 14, "second": 22}
